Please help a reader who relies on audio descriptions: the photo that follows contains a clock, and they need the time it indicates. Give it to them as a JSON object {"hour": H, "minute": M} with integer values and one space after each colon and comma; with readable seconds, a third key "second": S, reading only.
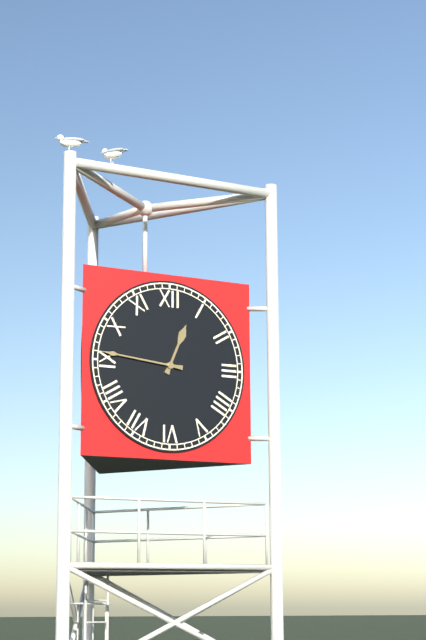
{"hour": 12, "minute": 46}
